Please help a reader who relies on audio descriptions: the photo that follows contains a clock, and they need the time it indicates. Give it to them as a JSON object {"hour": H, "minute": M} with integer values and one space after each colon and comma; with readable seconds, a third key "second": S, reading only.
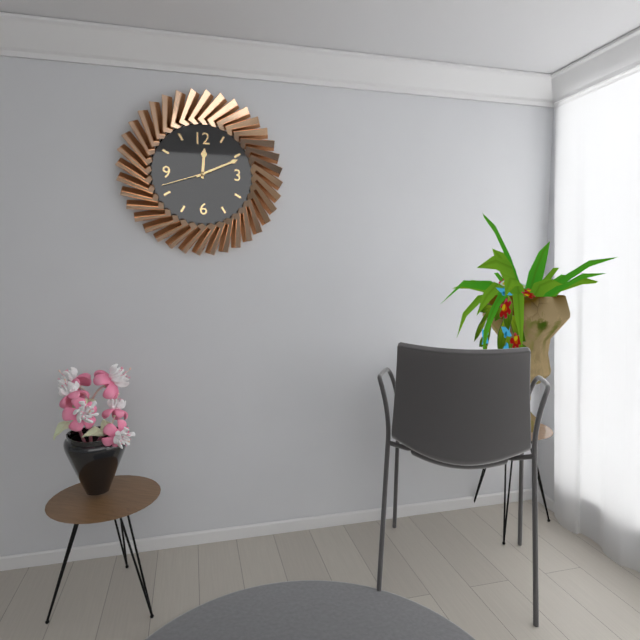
{"hour": 12, "minute": 11, "second": 42}
